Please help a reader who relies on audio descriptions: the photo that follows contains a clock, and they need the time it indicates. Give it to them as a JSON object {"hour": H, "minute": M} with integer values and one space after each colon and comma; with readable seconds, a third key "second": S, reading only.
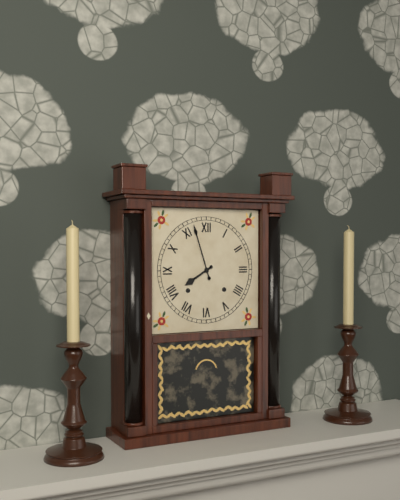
{"hour": 7, "minute": 57}
